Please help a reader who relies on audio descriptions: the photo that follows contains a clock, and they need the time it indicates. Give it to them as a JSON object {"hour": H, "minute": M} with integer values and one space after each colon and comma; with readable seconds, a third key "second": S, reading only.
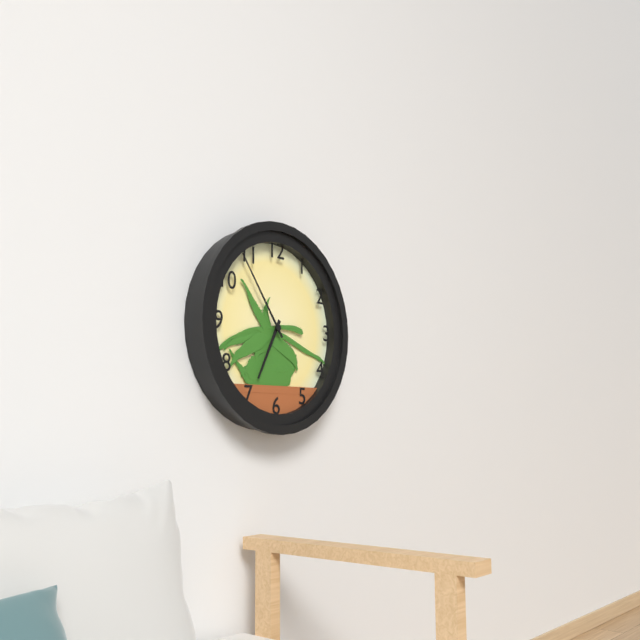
{"hour": 6, "minute": 54}
